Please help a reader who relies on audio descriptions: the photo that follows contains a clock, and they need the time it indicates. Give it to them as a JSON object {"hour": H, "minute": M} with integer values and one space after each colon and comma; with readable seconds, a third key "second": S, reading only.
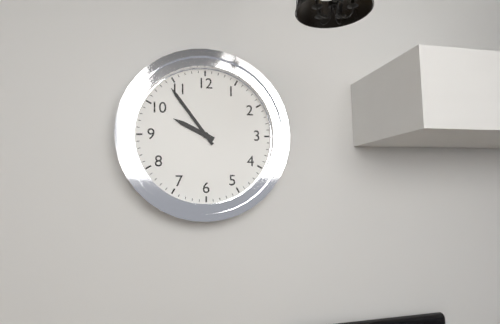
{"hour": 9, "minute": 54}
